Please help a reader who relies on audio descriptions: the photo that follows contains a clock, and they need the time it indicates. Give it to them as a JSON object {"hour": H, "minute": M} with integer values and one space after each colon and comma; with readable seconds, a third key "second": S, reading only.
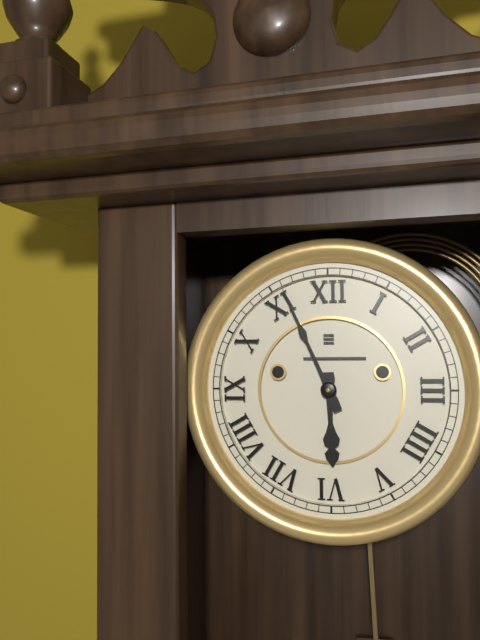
{"hour": 5, "minute": 56}
